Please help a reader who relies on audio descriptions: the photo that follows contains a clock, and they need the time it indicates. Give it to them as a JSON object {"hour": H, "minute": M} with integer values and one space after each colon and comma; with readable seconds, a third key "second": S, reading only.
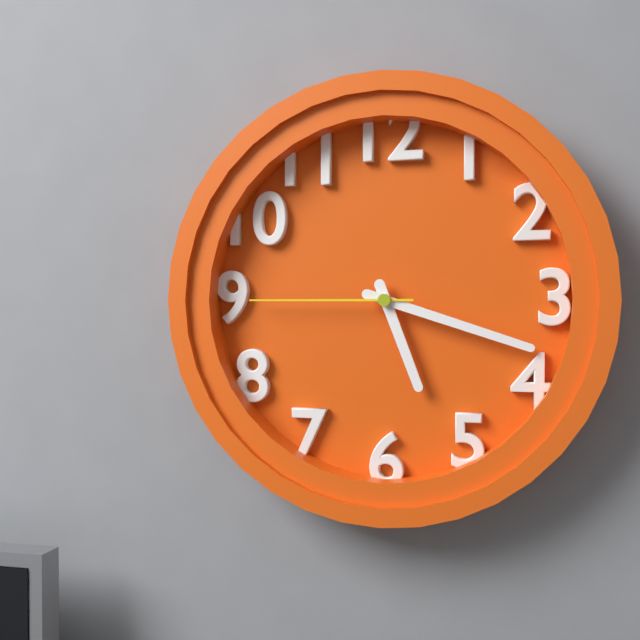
{"hour": 5, "minute": 18, "second": 45}
